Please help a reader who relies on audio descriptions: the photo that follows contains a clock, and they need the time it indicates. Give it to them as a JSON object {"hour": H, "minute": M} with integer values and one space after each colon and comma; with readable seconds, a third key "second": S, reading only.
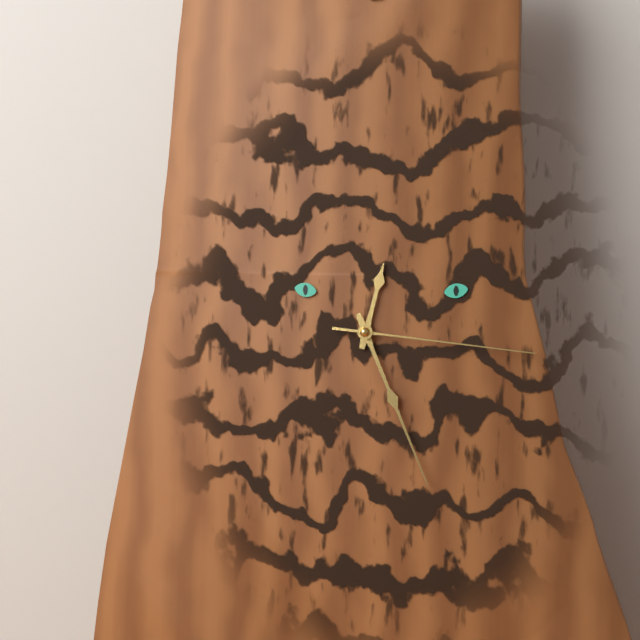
{"hour": 12, "minute": 26, "second": 16}
